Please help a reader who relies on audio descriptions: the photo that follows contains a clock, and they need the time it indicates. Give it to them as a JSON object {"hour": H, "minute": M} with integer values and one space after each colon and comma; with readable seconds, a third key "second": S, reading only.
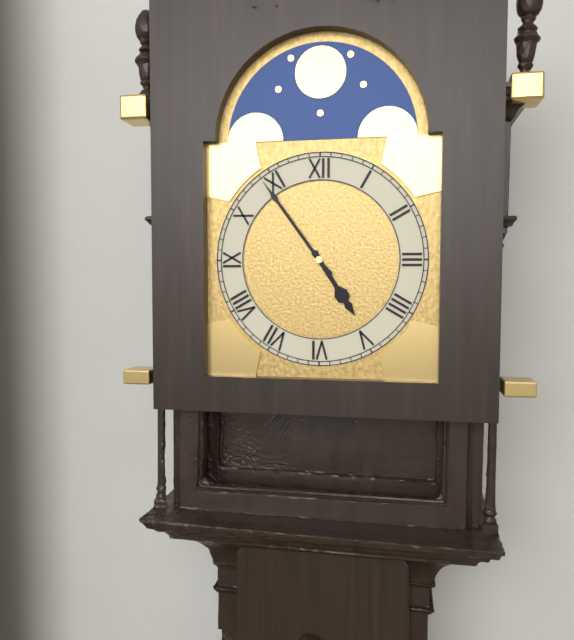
{"hour": 4, "minute": 54}
